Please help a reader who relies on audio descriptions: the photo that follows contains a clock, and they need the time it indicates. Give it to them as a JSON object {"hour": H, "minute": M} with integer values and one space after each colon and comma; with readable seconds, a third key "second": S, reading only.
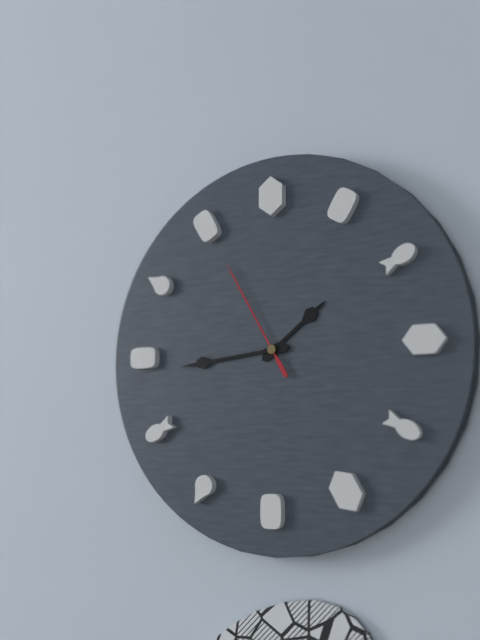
{"hour": 1, "minute": 44, "second": 55}
